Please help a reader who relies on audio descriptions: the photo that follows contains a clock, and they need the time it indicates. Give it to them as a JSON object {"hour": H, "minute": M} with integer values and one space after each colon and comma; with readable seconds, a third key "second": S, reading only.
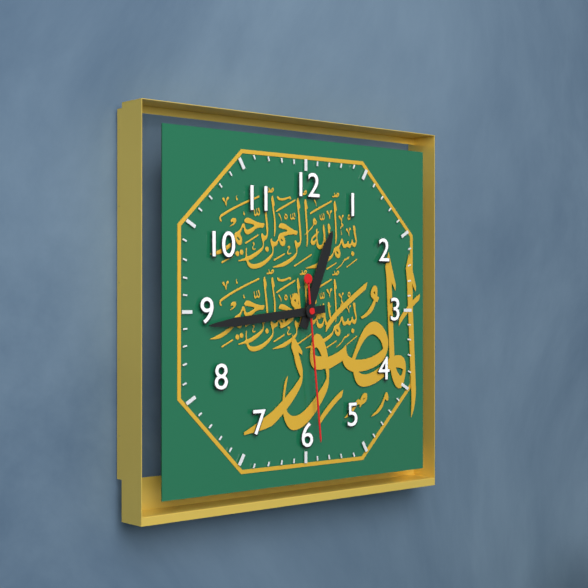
{"hour": 12, "minute": 44, "second": 29}
